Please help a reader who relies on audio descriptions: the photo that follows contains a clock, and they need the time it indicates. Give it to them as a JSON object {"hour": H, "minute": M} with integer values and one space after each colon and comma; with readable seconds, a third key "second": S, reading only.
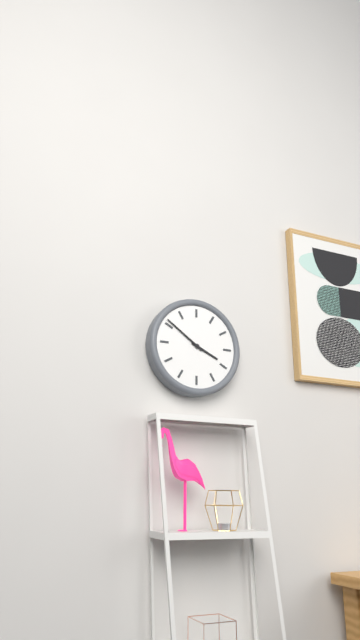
{"hour": 3, "minute": 51}
